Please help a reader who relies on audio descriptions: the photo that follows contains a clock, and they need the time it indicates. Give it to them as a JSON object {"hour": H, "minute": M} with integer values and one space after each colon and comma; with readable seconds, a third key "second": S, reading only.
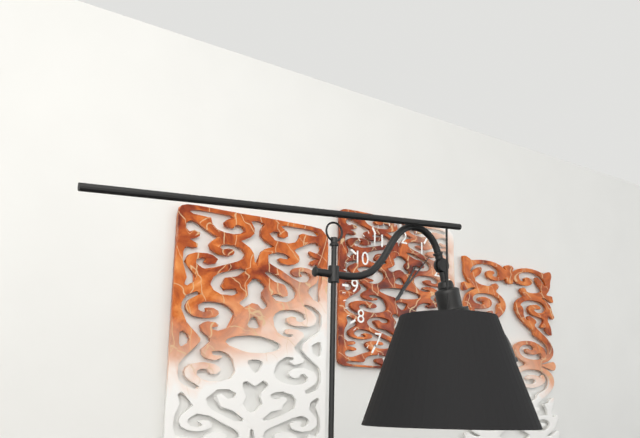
{"hour": 1, "minute": 7}
